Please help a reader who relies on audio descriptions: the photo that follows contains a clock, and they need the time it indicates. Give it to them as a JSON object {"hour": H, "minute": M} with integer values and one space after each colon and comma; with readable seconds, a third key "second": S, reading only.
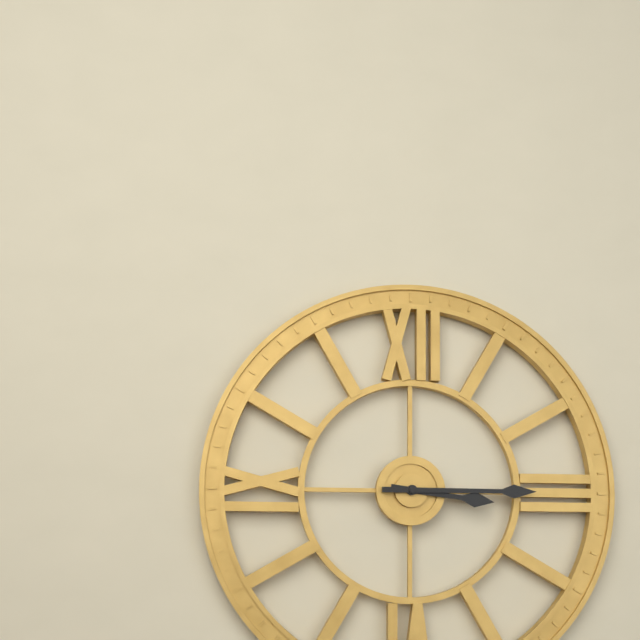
{"hour": 3, "minute": 15}
